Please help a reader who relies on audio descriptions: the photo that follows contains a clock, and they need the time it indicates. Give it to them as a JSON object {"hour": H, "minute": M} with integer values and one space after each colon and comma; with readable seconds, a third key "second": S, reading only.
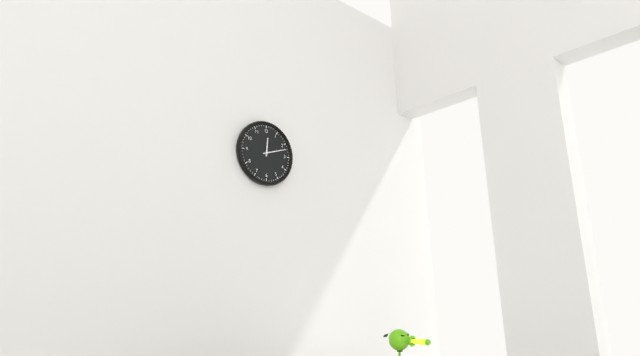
{"hour": 12, "minute": 12}
